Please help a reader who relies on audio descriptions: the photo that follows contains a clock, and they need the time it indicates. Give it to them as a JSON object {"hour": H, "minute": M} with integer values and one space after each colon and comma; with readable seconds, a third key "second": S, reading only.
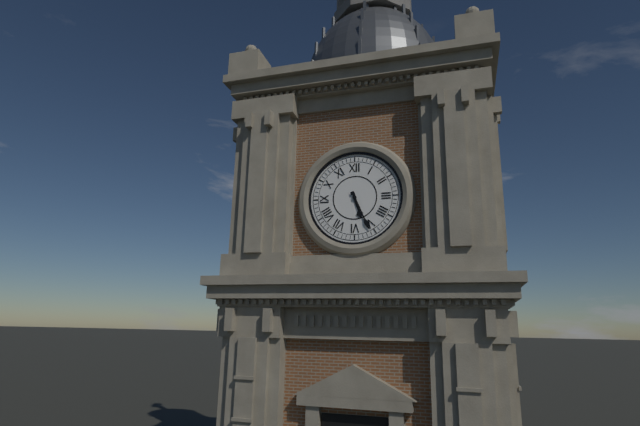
{"hour": 5, "minute": 26}
